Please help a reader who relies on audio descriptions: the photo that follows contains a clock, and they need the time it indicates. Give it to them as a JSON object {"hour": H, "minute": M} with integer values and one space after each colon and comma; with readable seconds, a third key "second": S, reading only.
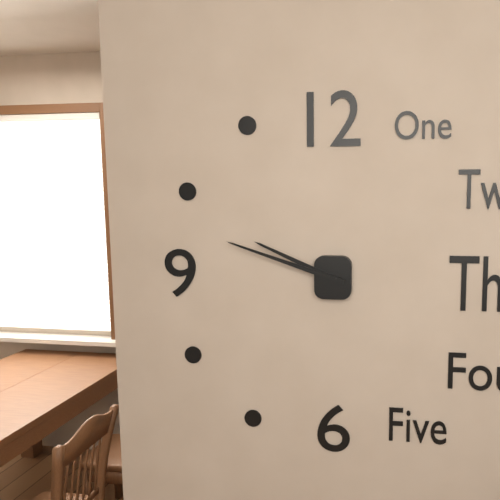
{"hour": 9, "minute": 48}
